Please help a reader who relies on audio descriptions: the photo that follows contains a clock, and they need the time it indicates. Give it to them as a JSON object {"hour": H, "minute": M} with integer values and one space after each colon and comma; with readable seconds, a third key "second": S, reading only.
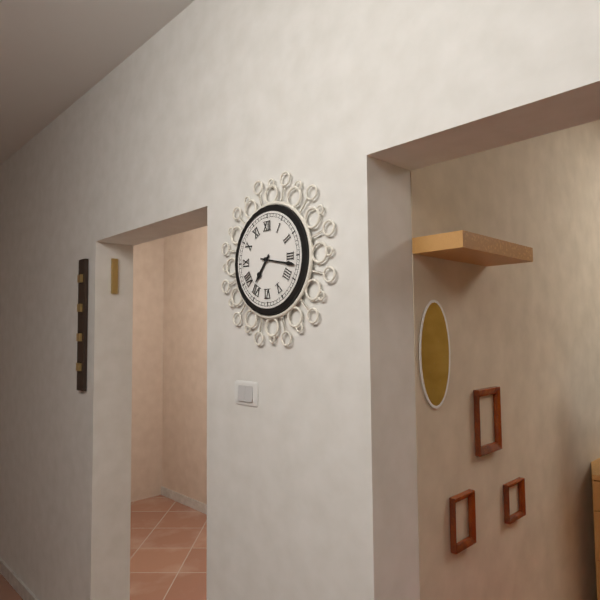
{"hour": 7, "minute": 17}
